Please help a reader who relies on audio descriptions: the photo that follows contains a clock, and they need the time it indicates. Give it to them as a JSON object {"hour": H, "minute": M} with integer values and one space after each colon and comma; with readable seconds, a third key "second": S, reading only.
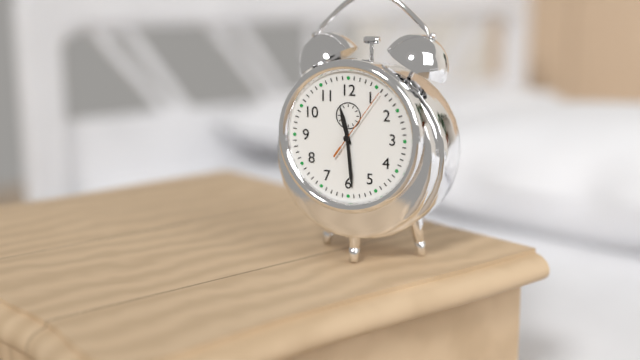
{"hour": 11, "minute": 29, "second": 6}
